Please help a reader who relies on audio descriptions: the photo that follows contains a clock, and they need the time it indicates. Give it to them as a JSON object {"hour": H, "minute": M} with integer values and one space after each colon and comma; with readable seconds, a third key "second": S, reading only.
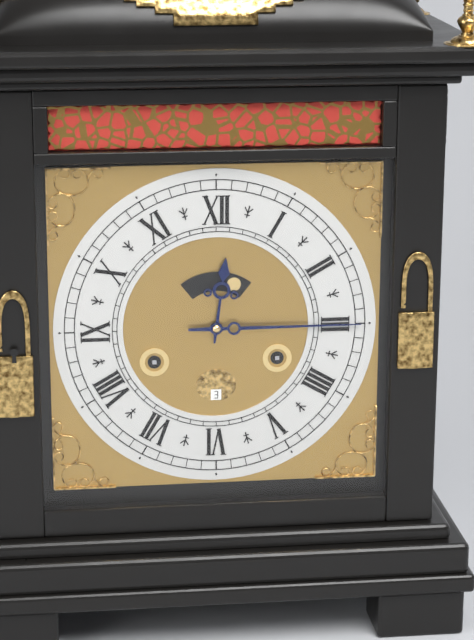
{"hour": 12, "minute": 15}
